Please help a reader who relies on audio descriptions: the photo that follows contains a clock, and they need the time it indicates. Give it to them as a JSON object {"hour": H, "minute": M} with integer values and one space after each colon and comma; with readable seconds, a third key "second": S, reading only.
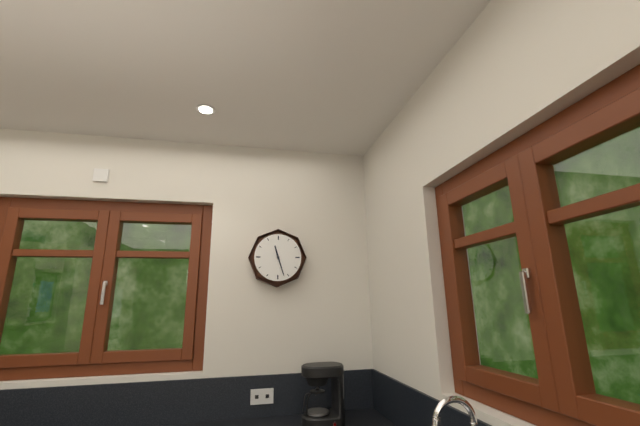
{"hour": 11, "minute": 27}
